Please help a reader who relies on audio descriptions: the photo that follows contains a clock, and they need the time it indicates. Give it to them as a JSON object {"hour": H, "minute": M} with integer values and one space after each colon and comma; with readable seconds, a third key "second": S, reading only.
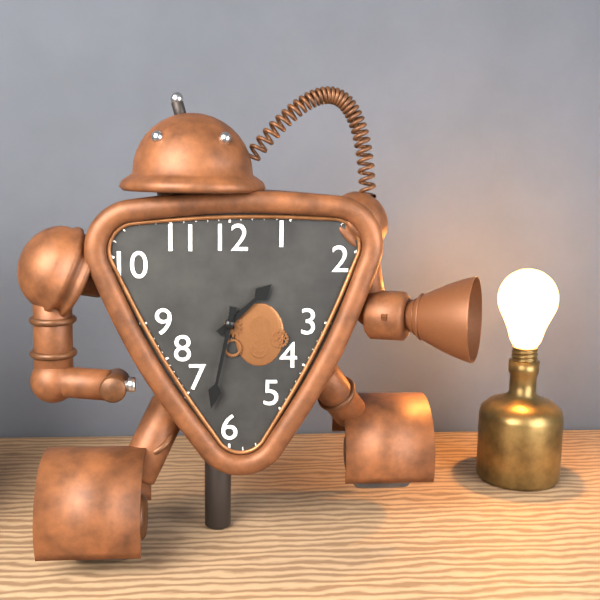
{"hour": 1, "minute": 32}
